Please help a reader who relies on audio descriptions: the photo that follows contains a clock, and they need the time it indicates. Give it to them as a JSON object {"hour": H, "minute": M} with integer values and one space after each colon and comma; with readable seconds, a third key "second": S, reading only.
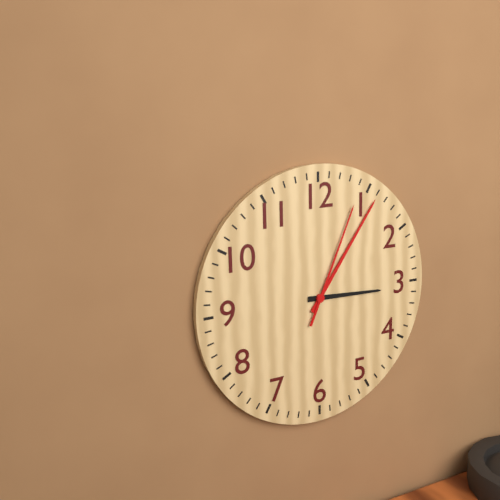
{"hour": 3, "minute": 6, "second": 4}
